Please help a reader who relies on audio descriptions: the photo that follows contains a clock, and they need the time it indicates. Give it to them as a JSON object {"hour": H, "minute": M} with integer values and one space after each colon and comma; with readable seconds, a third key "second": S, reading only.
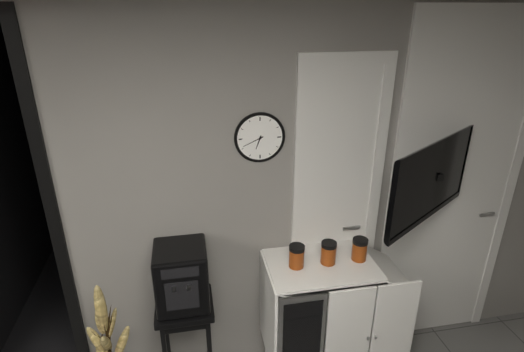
{"hour": 6, "minute": 41}
